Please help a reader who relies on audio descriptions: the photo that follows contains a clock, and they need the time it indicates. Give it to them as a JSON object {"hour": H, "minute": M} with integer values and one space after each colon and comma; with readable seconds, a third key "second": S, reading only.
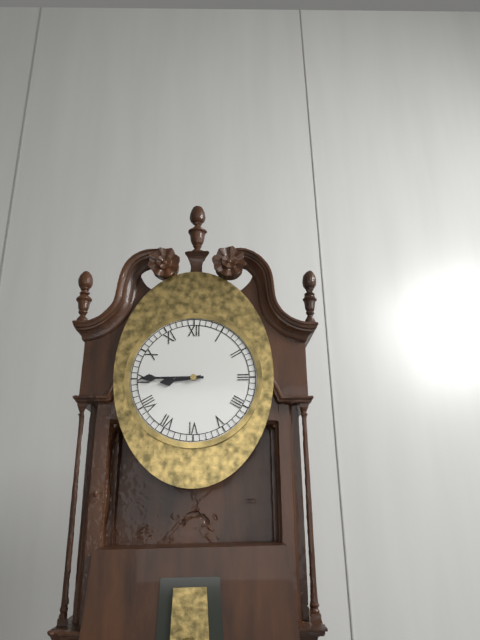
{"hour": 8, "minute": 45}
